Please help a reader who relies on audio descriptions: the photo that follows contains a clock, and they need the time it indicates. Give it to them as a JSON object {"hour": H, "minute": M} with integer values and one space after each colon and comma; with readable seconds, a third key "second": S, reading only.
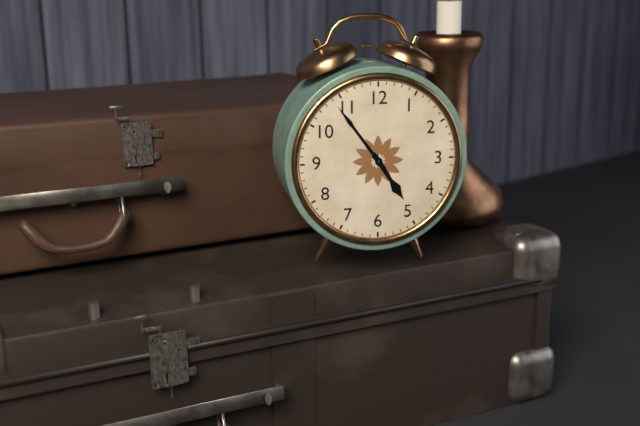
{"hour": 4, "minute": 54}
